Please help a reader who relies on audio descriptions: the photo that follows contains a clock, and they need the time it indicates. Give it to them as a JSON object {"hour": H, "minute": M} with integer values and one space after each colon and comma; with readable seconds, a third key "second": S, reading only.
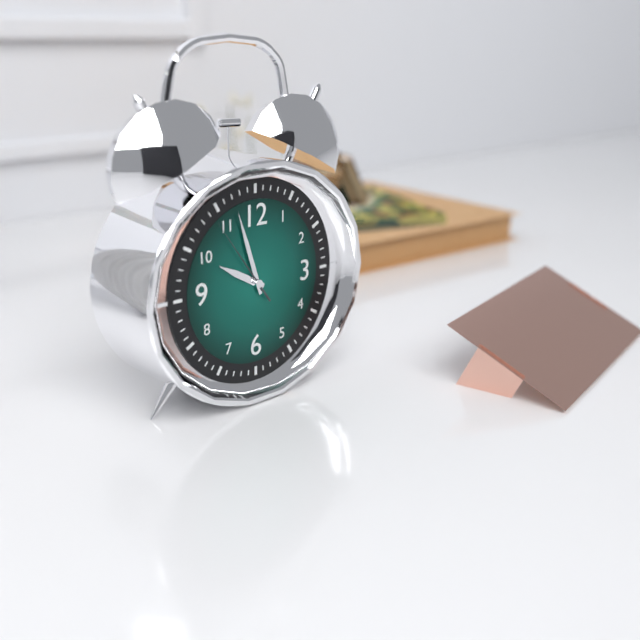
{"hour": 9, "minute": 57, "second": 54}
